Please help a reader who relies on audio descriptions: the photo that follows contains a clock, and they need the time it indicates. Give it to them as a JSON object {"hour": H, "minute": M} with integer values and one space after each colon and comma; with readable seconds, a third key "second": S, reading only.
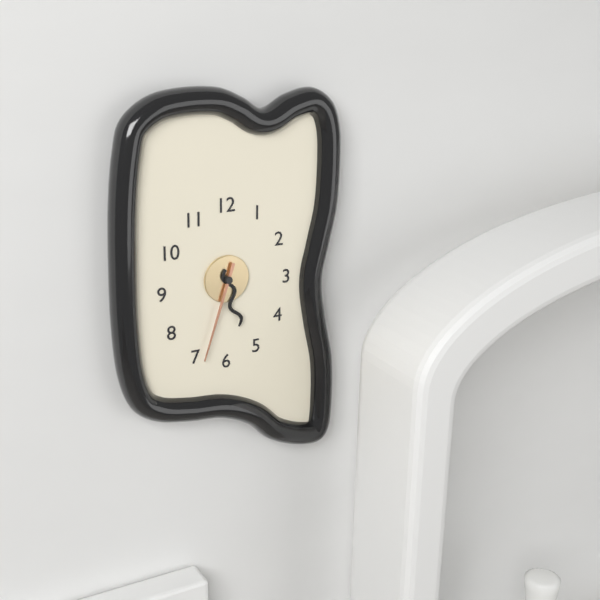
{"hour": 5, "minute": 33}
